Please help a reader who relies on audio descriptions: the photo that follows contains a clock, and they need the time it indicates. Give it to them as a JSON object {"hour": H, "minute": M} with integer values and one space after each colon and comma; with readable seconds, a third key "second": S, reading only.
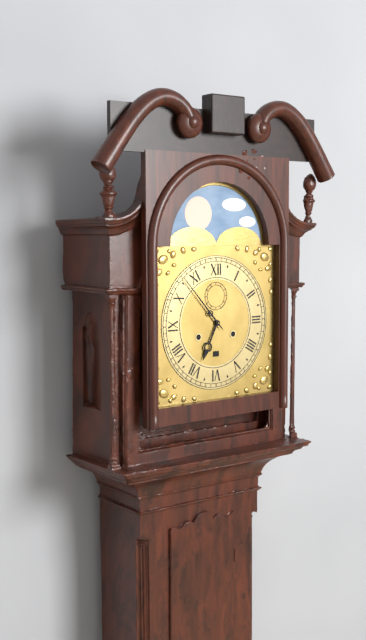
{"hour": 6, "minute": 53}
